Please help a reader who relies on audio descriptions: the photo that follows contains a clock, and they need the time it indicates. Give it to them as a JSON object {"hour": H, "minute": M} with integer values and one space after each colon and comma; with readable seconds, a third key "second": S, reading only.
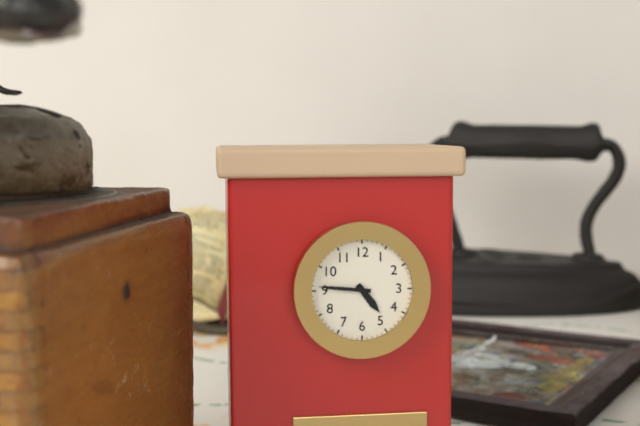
{"hour": 4, "minute": 46}
